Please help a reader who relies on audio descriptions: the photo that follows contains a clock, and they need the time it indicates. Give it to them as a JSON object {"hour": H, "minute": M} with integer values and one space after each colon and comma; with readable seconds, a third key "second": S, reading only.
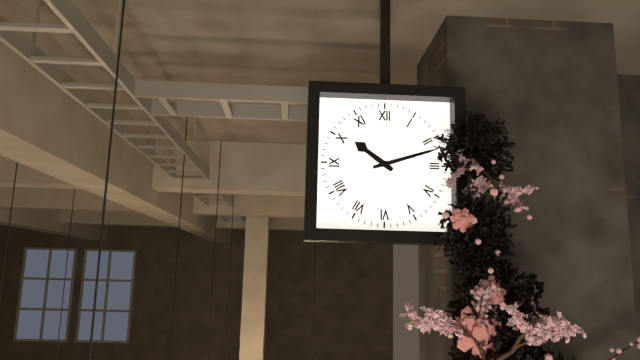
{"hour": 10, "minute": 12}
